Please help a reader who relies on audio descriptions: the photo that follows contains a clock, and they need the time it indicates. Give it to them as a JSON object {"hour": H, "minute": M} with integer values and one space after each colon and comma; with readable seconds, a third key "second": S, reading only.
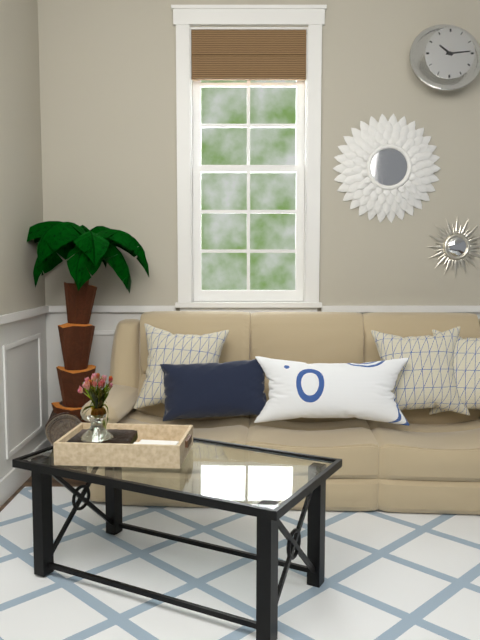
{"hour": 10, "minute": 14}
